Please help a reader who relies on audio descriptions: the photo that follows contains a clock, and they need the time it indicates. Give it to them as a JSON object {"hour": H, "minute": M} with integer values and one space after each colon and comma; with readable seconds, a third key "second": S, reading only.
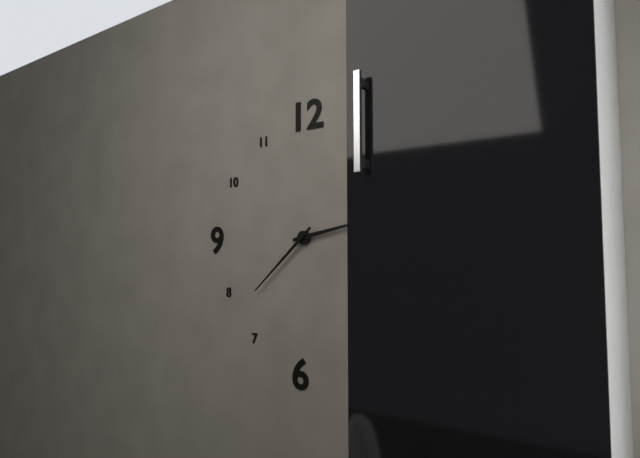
{"hour": 2, "minute": 38}
